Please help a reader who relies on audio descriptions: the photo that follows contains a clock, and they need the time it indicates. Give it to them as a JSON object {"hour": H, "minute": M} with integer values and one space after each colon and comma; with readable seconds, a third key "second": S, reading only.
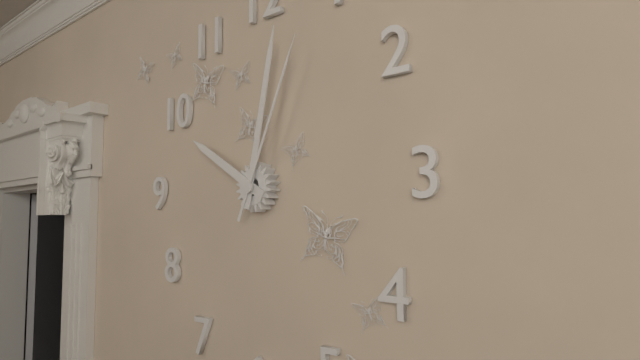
{"hour": 10, "minute": 2, "second": 4}
